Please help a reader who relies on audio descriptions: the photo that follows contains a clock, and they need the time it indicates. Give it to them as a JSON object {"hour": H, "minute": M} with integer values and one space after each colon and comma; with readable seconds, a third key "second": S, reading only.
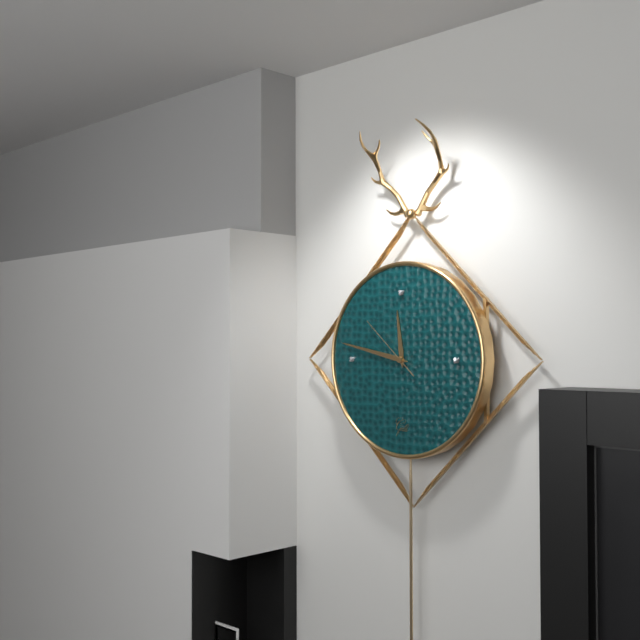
{"hour": 11, "minute": 47, "second": 52}
